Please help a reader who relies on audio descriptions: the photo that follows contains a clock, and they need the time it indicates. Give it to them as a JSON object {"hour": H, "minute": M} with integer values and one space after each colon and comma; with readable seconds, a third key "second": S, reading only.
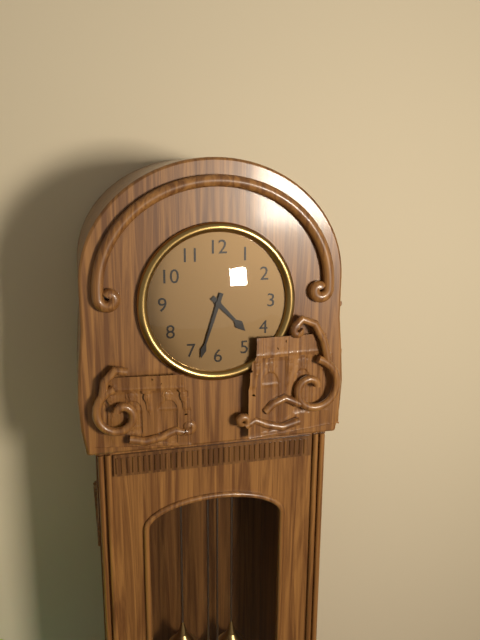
{"hour": 4, "minute": 33}
